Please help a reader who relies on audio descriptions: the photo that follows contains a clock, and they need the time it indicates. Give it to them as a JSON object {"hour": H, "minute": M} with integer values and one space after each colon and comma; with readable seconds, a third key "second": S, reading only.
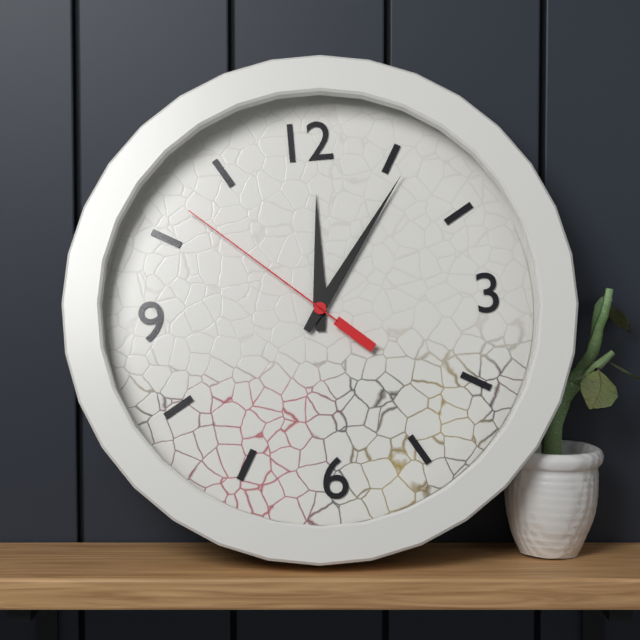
{"hour": 12, "minute": 6, "second": 52}
